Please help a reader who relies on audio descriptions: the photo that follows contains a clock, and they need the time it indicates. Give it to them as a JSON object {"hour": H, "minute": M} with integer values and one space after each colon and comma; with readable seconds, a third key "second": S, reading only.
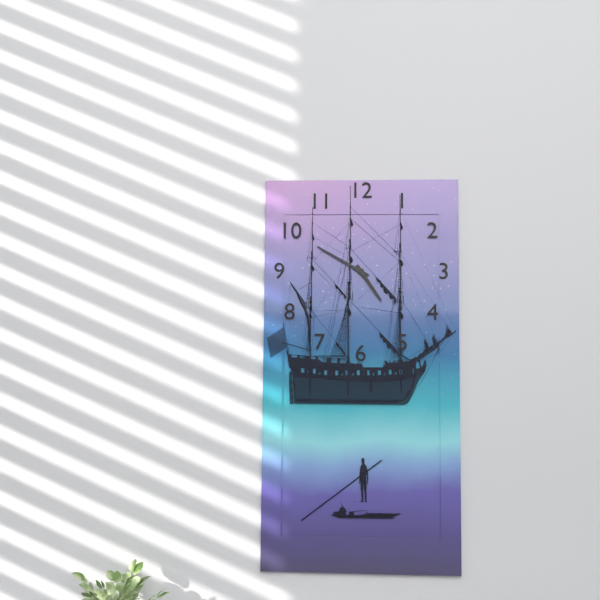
{"hour": 4, "minute": 50}
